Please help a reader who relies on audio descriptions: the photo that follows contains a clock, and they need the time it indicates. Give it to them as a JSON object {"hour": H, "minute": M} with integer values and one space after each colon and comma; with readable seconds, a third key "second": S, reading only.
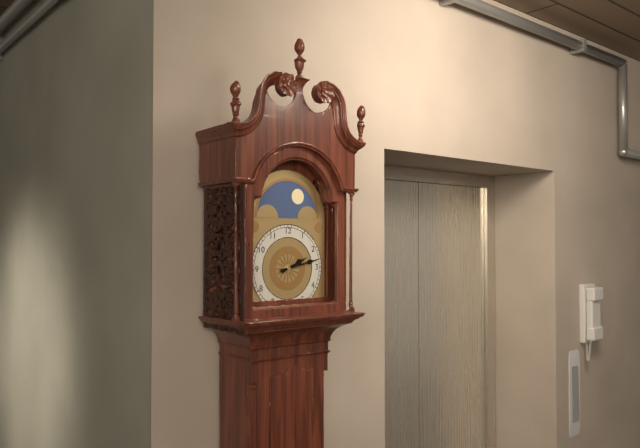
{"hour": 2, "minute": 13}
